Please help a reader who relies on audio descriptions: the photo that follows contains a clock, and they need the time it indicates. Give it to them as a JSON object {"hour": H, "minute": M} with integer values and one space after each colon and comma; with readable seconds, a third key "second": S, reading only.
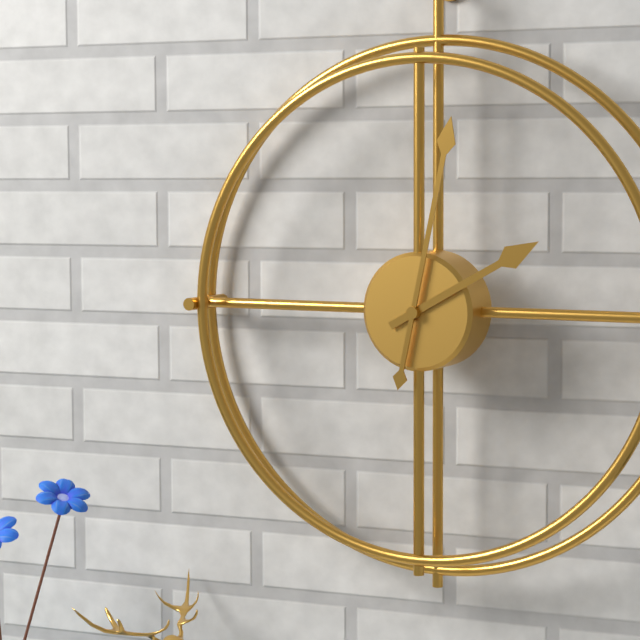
{"hour": 2, "minute": 2}
